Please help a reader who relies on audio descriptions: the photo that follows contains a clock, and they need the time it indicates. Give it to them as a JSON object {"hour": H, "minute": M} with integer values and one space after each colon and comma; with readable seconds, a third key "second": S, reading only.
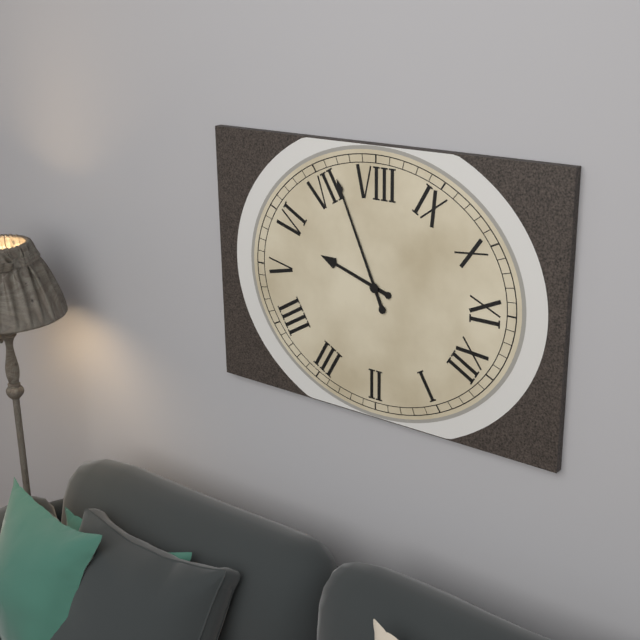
{"hour": 5, "minute": 36}
